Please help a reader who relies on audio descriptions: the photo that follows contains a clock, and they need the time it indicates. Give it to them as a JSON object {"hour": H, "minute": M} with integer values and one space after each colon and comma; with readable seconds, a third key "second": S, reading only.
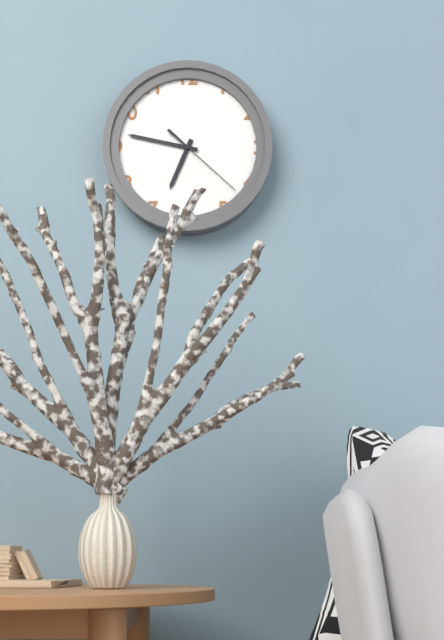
{"hour": 6, "minute": 47, "second": 22}
